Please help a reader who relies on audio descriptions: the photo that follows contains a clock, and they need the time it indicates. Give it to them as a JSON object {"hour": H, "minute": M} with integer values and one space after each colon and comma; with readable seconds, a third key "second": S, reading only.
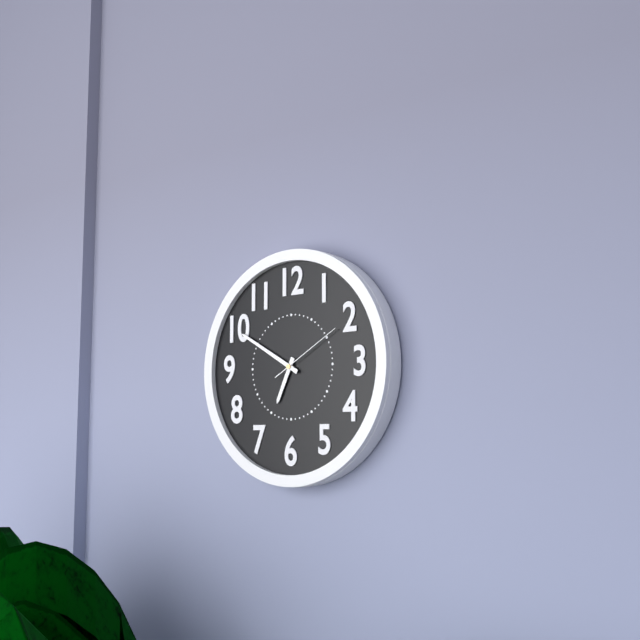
{"hour": 6, "minute": 50, "second": 10}
